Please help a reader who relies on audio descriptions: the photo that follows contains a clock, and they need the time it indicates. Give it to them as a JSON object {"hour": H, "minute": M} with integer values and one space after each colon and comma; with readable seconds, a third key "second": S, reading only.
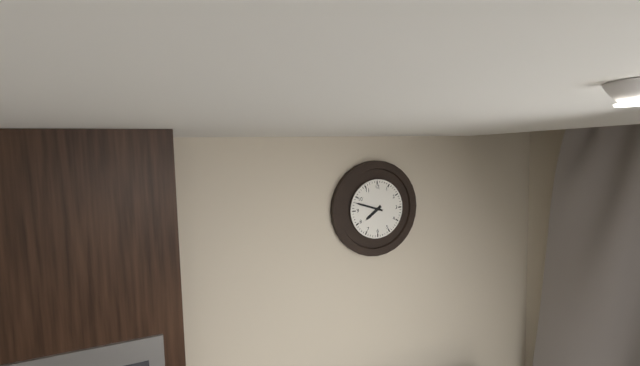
{"hour": 7, "minute": 48}
